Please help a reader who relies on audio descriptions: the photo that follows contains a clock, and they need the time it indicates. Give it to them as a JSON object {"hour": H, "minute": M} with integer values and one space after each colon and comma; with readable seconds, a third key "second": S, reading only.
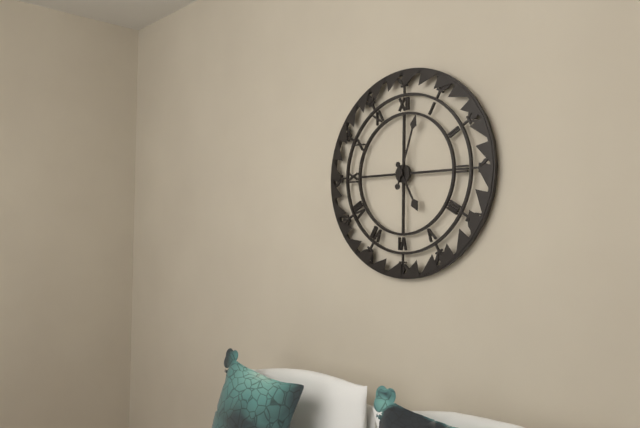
{"hour": 5, "minute": 3}
